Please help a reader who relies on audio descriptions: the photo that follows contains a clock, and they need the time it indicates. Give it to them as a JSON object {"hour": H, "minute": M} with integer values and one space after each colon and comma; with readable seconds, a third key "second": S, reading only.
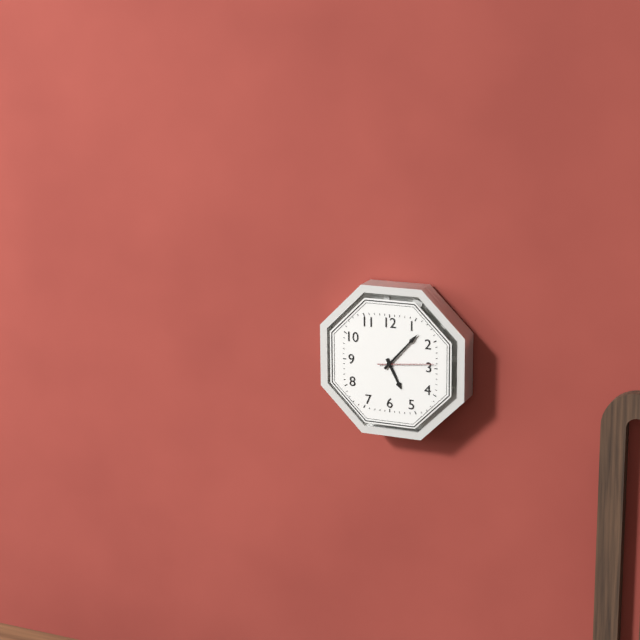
{"hour": 5, "minute": 7, "second": 14}
